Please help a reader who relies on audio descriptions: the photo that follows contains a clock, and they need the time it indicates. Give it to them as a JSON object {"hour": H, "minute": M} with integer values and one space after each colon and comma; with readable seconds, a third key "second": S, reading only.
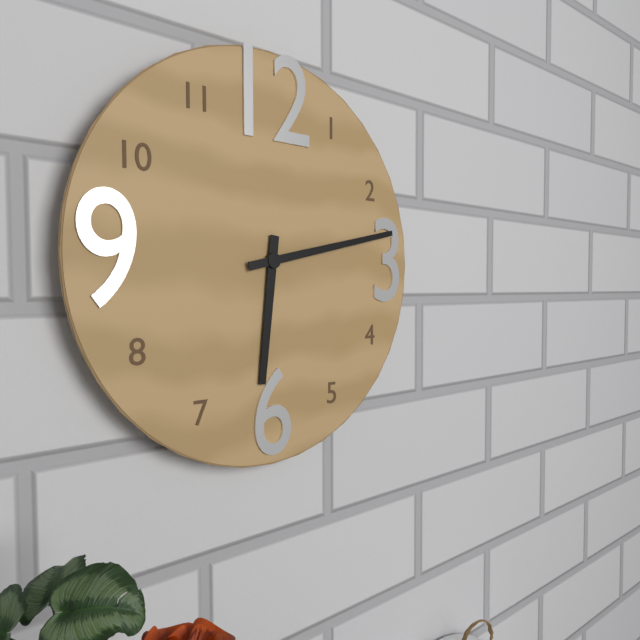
{"hour": 6, "minute": 13}
